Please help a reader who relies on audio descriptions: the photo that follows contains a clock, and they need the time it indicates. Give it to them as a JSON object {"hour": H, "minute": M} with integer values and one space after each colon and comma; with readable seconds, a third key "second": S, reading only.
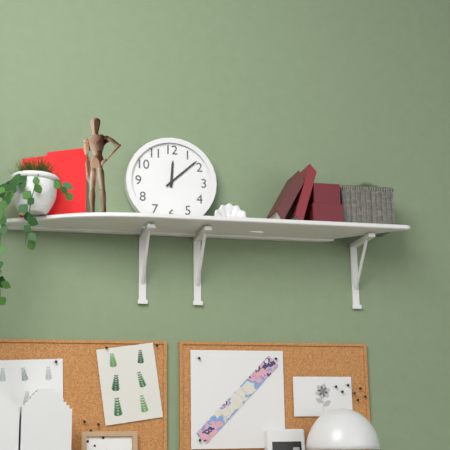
{"hour": 12, "minute": 8}
